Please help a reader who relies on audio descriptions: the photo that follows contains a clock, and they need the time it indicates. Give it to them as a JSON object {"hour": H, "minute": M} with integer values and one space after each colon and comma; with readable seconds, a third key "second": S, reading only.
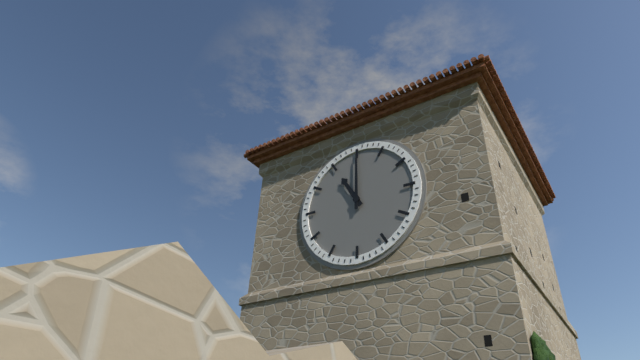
{"hour": 11, "minute": 0}
